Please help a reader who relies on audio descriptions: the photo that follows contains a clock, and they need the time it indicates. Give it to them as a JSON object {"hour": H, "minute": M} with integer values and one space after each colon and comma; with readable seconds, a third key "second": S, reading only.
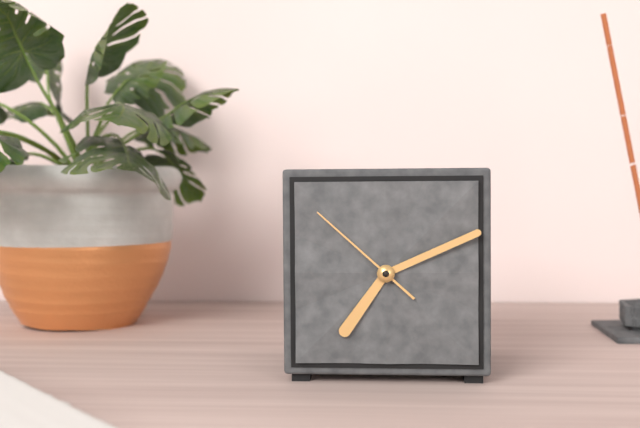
{"hour": 7, "minute": 11, "second": 52}
